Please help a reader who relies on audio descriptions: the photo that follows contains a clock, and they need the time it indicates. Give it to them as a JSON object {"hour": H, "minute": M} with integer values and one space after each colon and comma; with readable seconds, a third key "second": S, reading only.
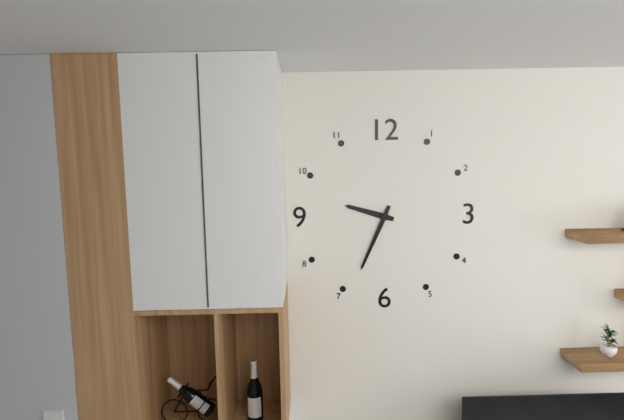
{"hour": 9, "minute": 34}
